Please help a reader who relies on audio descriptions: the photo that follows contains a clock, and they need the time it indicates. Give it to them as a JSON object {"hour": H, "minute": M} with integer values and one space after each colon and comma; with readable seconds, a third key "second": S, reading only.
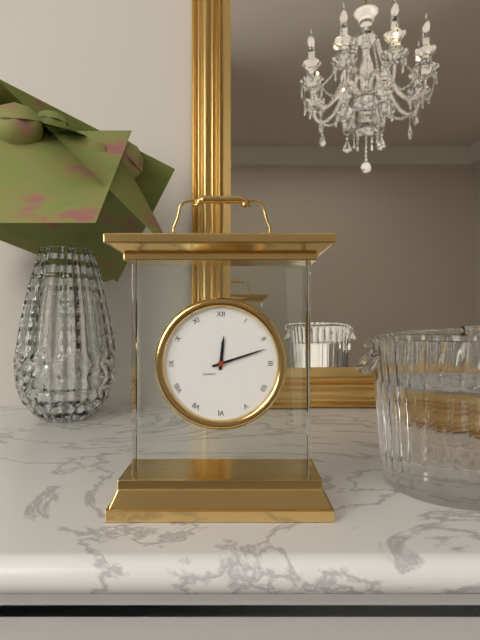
{"hour": 12, "minute": 12}
